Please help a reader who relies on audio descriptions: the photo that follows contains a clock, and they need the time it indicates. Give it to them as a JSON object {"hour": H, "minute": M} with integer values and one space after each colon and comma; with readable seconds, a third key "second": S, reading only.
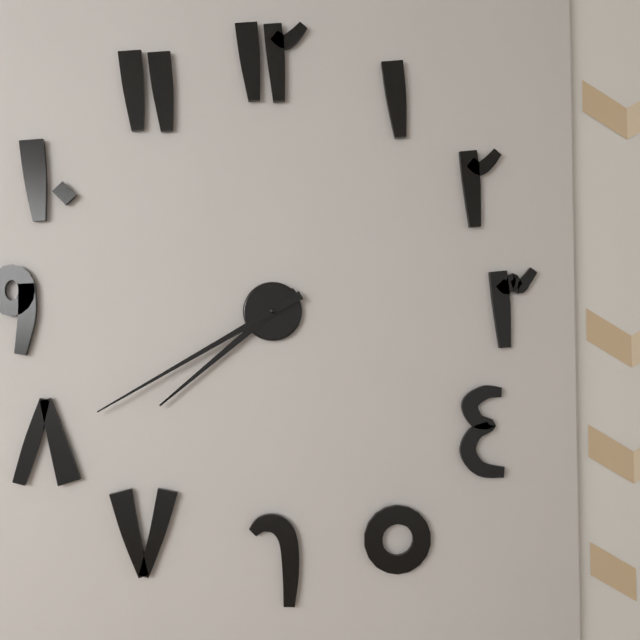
{"hour": 7, "minute": 40}
